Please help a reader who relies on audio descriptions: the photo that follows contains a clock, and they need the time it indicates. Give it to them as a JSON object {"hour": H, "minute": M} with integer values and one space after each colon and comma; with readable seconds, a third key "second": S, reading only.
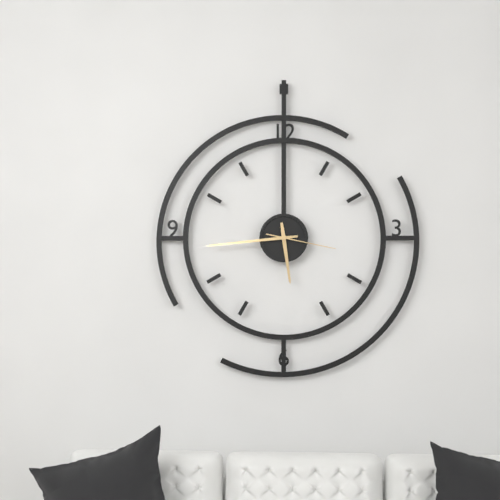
{"hour": 5, "minute": 44, "second": 17}
